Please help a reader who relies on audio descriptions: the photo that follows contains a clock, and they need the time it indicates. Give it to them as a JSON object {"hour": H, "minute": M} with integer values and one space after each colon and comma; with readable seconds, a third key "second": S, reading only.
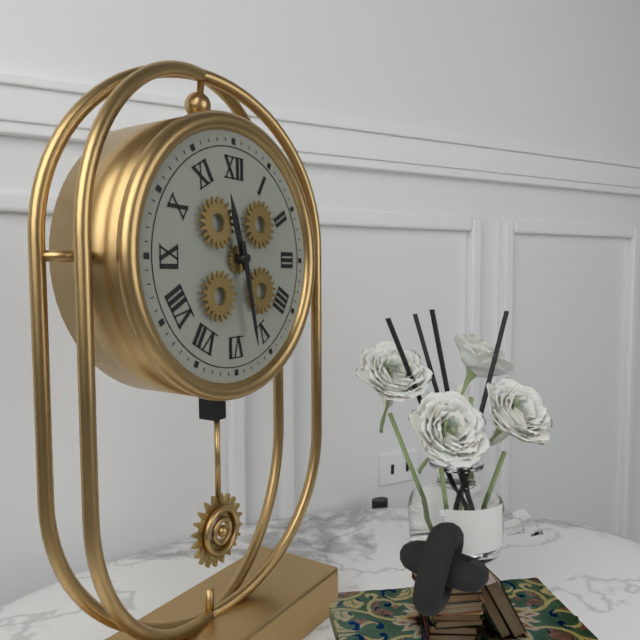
{"hour": 11, "minute": 28}
